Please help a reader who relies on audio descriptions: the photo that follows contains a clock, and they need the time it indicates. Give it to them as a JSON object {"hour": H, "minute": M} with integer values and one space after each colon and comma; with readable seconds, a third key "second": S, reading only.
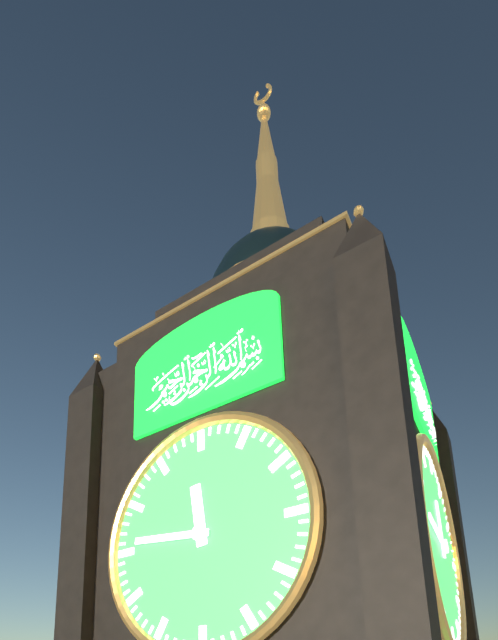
{"hour": 11, "minute": 46}
